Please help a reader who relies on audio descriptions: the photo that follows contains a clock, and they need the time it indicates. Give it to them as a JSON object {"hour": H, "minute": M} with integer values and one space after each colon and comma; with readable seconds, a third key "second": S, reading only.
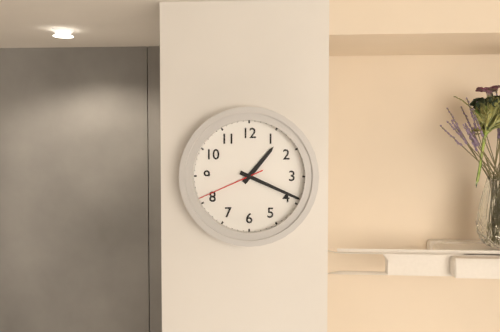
{"hour": 1, "minute": 19, "second": 41}
